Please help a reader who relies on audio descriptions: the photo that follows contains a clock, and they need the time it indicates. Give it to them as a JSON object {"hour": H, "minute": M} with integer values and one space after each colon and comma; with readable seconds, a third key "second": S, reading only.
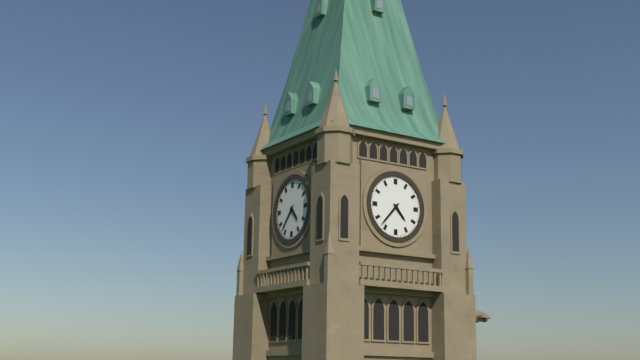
{"hour": 4, "minute": 37}
